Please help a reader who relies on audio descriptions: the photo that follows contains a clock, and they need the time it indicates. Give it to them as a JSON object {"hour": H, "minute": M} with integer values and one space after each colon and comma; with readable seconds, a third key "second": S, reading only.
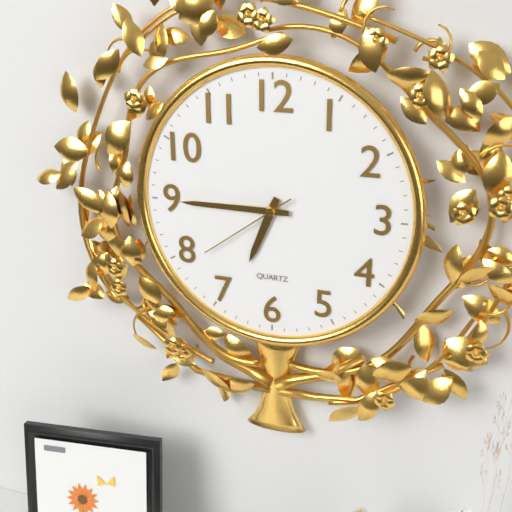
{"hour": 6, "minute": 45, "second": 39}
